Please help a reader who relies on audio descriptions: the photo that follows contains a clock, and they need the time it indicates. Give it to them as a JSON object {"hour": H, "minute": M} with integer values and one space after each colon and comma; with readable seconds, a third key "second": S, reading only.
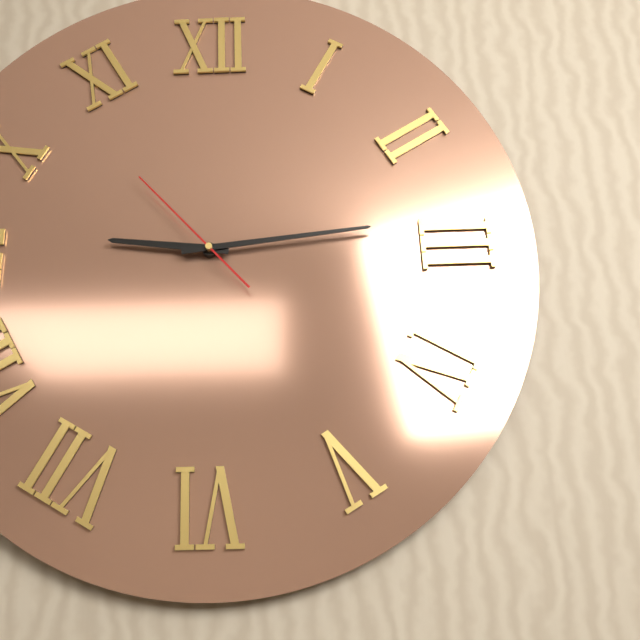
{"hour": 9, "minute": 14, "second": 53}
